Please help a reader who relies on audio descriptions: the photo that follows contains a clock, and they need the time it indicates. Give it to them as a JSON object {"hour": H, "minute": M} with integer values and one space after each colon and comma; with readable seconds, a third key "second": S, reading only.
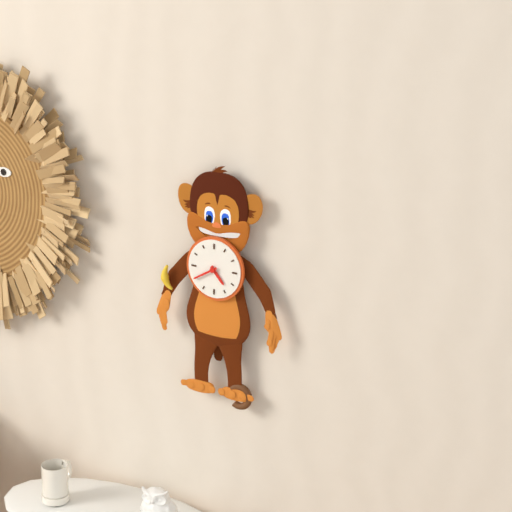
{"hour": 4, "minute": 40}
